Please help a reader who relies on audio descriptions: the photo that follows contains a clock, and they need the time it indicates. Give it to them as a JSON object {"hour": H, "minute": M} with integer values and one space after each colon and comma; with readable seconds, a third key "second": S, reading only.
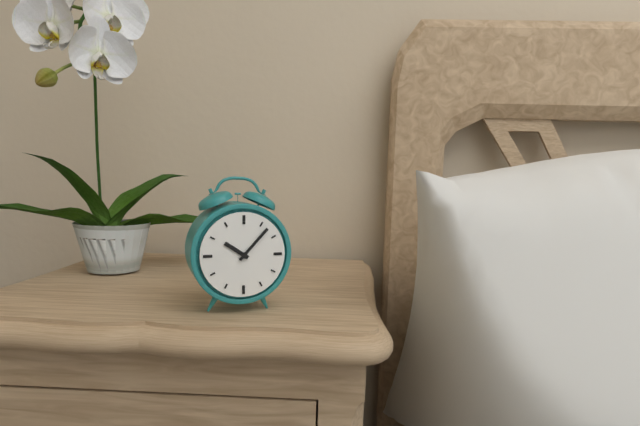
{"hour": 10, "minute": 7}
